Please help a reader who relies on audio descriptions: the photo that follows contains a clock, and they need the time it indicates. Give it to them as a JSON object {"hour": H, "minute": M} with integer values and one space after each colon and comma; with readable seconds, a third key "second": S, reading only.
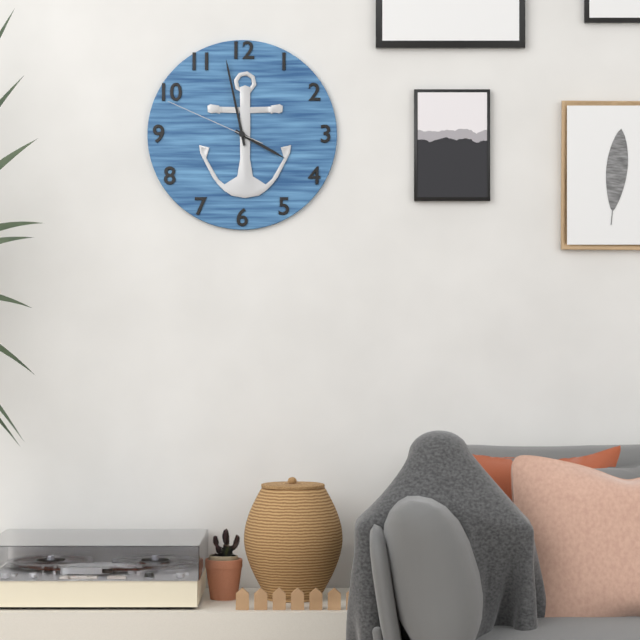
{"hour": 3, "minute": 58, "second": 49}
